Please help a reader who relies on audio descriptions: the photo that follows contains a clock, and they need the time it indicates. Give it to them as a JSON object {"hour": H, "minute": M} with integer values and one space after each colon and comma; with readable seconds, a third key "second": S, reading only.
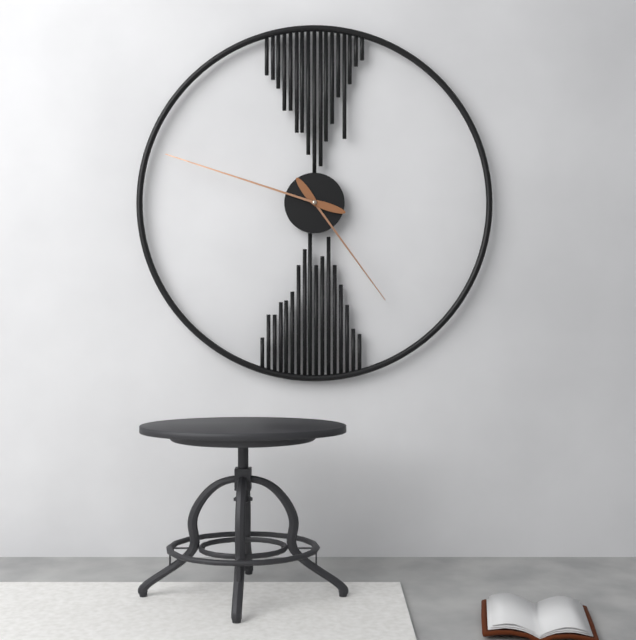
{"hour": 4, "minute": 48}
